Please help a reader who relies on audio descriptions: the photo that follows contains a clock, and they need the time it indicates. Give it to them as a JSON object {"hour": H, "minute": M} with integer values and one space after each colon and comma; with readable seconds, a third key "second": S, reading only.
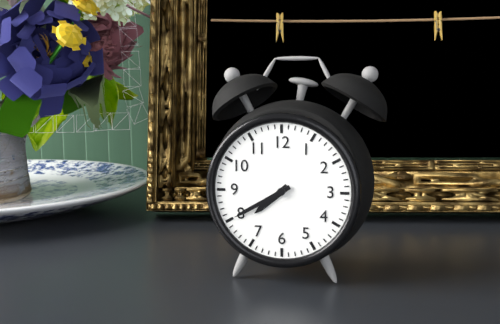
{"hour": 7, "minute": 40}
